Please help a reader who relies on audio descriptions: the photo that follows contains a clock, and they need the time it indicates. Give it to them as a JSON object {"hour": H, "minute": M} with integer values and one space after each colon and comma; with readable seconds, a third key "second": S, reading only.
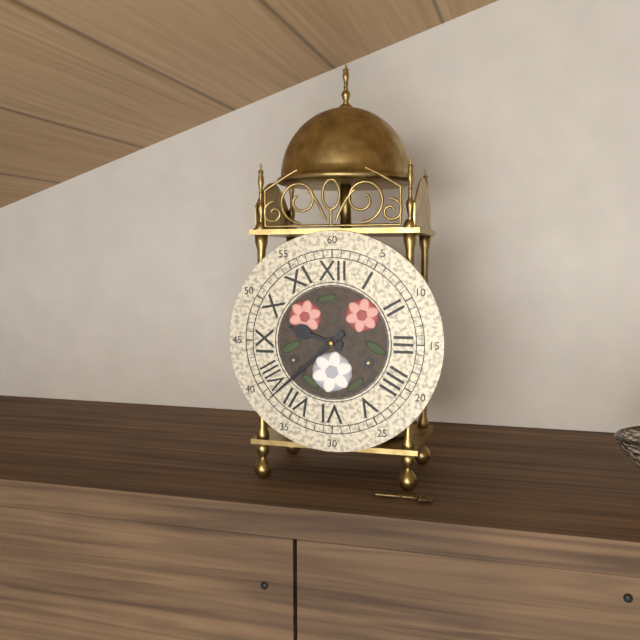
{"hour": 9, "minute": 38}
